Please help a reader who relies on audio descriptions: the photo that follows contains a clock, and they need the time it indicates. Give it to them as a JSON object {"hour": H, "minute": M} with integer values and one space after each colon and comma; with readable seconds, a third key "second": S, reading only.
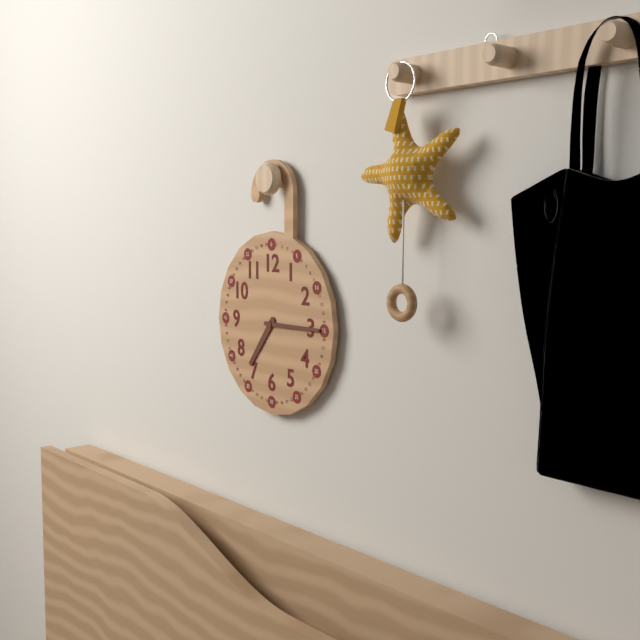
{"hour": 7, "minute": 15}
